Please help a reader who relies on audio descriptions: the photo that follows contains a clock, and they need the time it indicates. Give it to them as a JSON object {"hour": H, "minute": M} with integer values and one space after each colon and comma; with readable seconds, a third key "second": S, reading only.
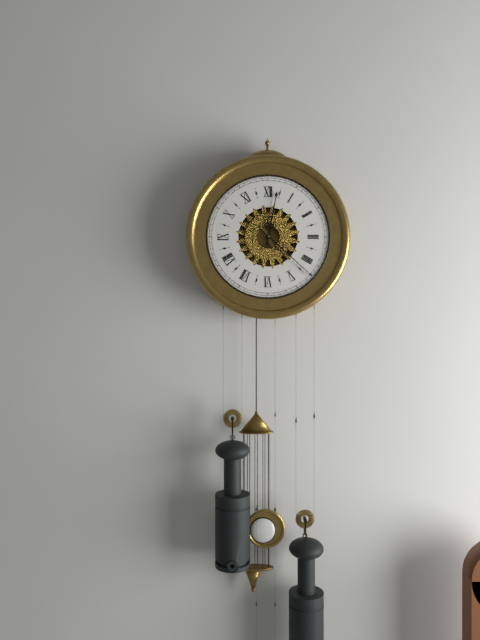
{"hour": 12, "minute": 22}
